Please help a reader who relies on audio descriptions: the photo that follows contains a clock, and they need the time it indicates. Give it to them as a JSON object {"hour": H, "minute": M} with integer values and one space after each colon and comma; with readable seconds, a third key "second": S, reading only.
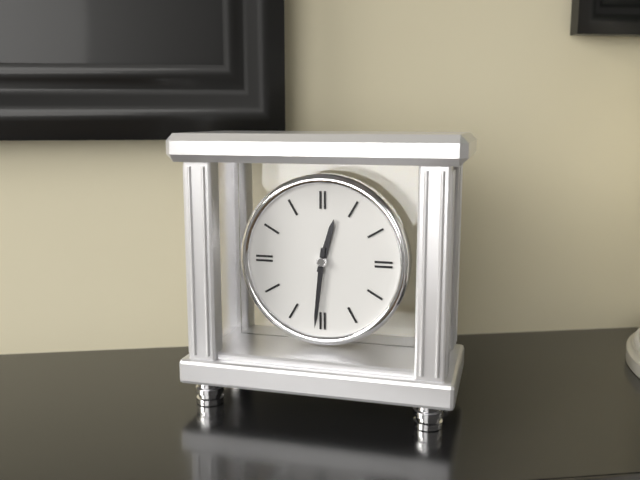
{"hour": 12, "minute": 31}
